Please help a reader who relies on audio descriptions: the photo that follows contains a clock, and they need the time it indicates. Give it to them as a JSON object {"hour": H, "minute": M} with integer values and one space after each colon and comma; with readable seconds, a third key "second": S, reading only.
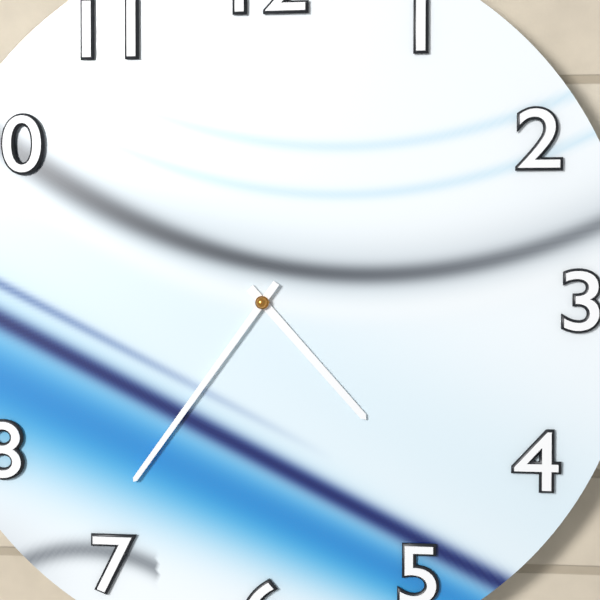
{"hour": 4, "minute": 36}
